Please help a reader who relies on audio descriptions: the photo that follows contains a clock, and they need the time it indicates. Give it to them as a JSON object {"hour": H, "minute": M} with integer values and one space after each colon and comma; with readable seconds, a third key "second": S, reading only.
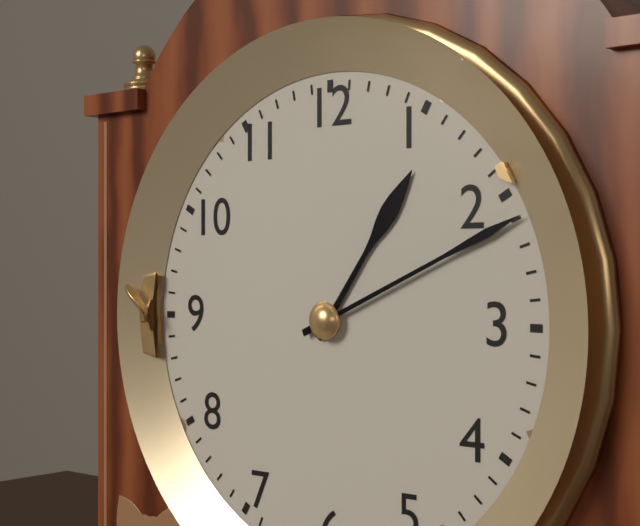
{"hour": 1, "minute": 11}
